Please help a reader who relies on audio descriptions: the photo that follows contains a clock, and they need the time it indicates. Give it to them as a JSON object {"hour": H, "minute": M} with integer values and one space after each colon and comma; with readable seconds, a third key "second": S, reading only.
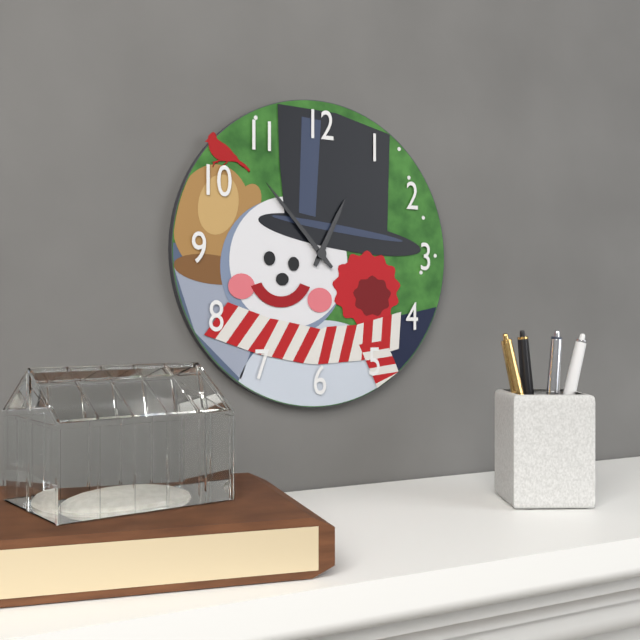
{"hour": 12, "minute": 53}
